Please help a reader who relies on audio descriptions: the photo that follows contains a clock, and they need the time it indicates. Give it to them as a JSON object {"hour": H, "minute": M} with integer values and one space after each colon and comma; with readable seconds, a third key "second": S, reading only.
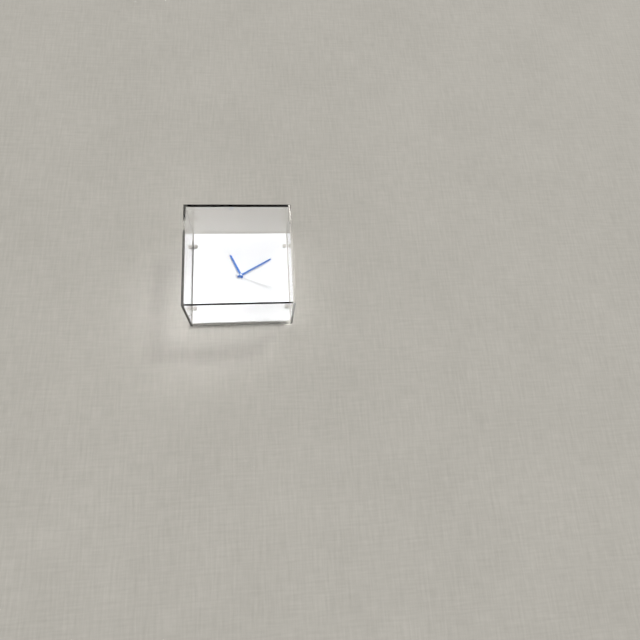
{"hour": 11, "minute": 10}
